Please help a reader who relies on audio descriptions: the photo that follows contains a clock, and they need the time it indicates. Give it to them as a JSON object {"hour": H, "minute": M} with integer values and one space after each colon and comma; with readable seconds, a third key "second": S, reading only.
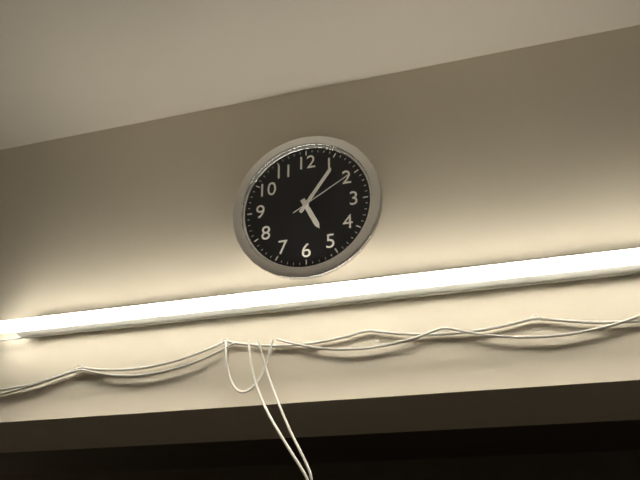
{"hour": 5, "minute": 6, "second": 10}
